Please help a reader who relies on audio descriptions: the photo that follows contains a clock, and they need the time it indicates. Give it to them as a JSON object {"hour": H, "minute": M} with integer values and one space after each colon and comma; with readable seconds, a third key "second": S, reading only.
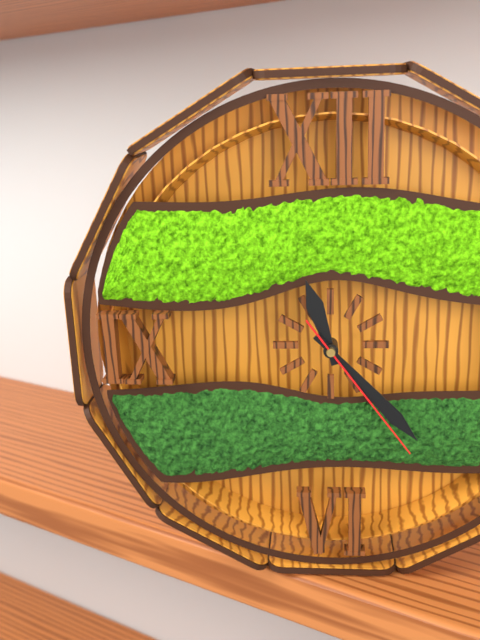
{"hour": 11, "minute": 23, "second": 24}
